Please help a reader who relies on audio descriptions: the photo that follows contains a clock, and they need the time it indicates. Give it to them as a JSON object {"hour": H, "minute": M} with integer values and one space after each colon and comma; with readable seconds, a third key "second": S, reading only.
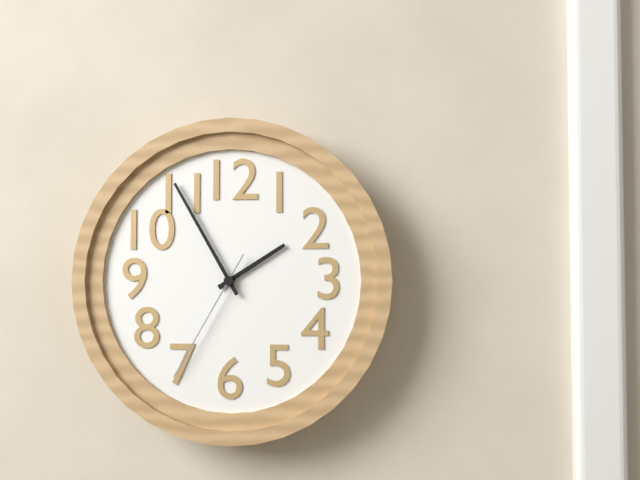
{"hour": 1, "minute": 55, "second": 35}
